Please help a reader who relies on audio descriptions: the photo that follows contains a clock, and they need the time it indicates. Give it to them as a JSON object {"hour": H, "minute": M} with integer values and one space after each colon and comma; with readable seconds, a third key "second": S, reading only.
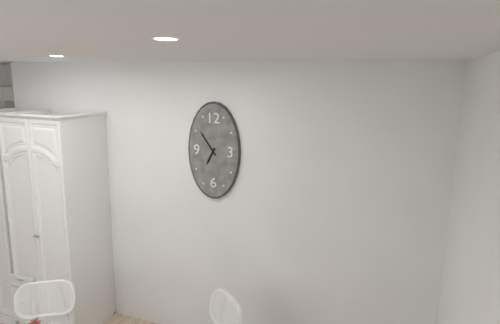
{"hour": 6, "minute": 54}
